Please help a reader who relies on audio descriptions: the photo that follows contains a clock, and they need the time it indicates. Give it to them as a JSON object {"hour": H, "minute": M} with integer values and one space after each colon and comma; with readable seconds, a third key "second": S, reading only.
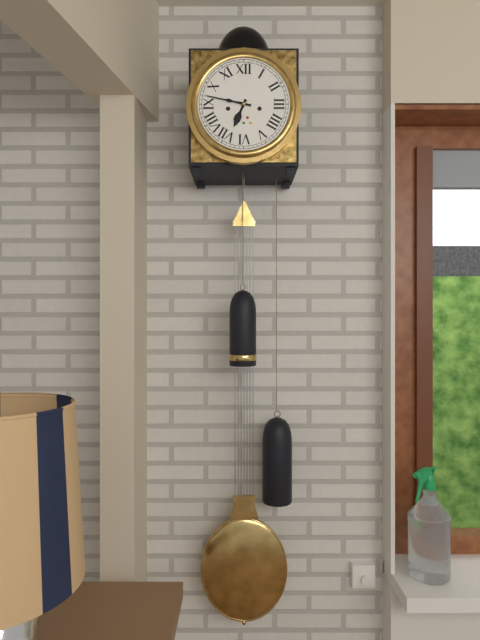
{"hour": 6, "minute": 47}
